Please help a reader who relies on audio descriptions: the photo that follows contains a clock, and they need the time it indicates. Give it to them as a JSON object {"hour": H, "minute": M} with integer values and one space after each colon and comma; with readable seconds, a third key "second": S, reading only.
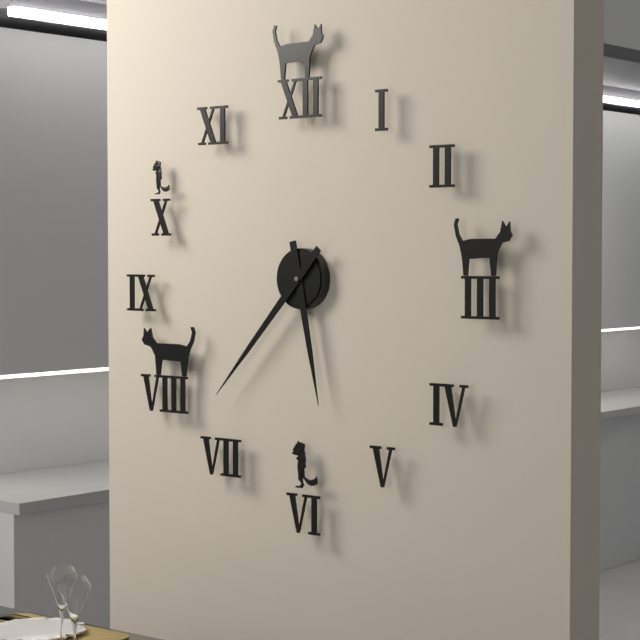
{"hour": 5, "minute": 37}
